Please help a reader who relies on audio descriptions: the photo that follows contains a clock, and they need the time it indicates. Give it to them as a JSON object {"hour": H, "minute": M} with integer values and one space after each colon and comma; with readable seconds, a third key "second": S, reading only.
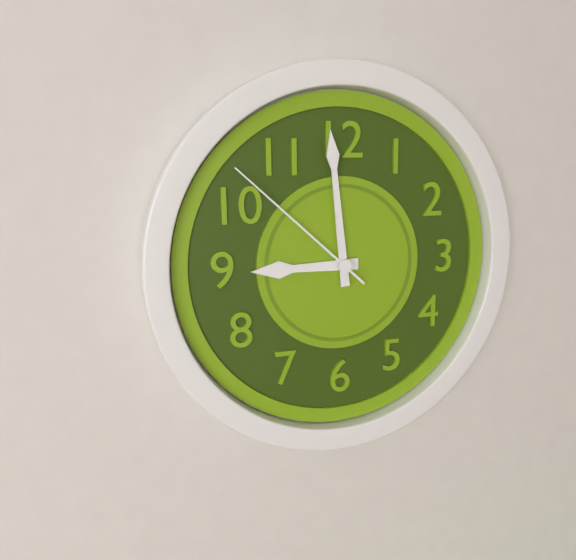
{"hour": 8, "minute": 59, "second": 52}
